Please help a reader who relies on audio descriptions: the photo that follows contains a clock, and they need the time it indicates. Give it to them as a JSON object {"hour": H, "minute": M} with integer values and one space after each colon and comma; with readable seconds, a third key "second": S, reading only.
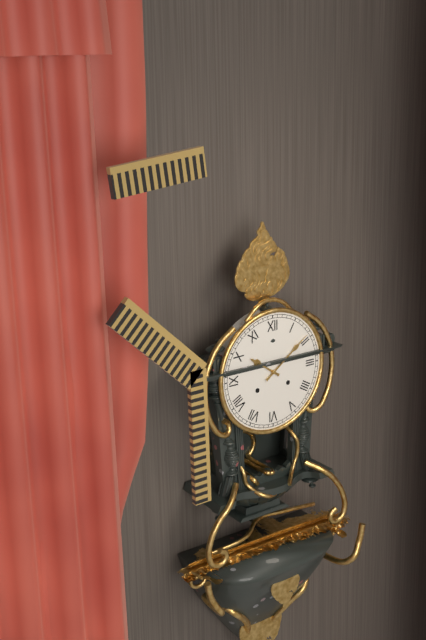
{"hour": 10, "minute": 9}
